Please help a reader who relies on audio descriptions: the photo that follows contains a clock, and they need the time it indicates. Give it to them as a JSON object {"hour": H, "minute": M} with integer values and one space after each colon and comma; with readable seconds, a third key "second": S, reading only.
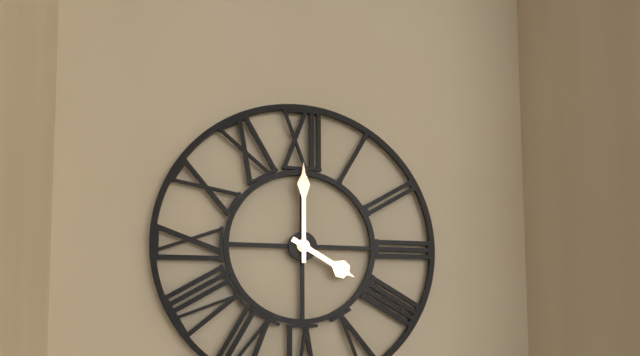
{"hour": 4, "minute": 0}
